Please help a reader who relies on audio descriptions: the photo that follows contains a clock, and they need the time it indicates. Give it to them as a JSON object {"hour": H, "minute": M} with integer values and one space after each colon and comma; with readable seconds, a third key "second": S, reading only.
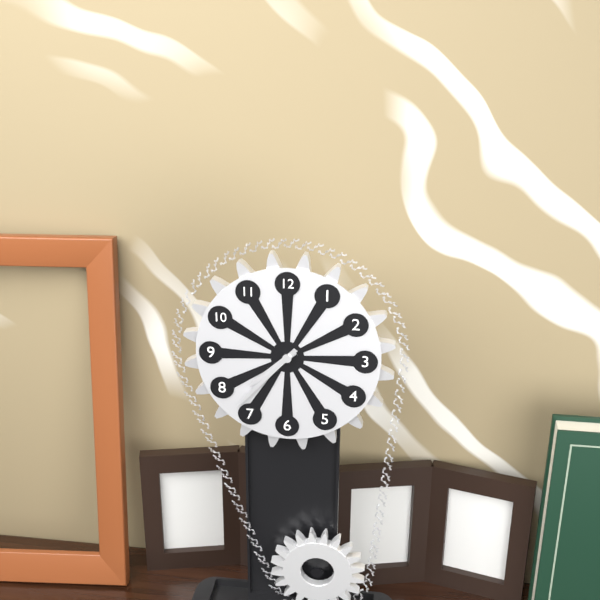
{"hour": 7, "minute": 37}
